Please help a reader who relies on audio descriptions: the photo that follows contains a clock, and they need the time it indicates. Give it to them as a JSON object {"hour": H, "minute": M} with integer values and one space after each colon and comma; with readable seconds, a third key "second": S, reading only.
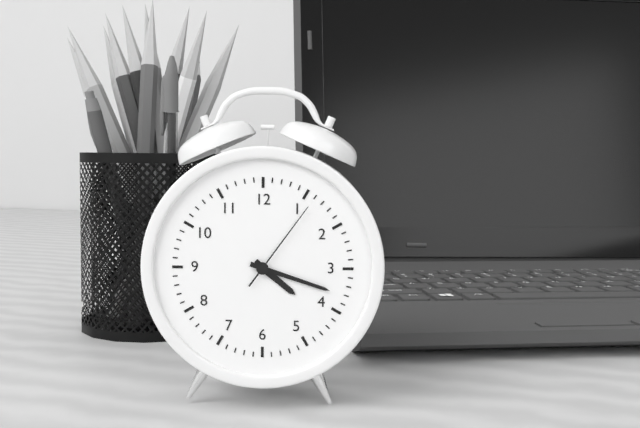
{"hour": 4, "minute": 18, "second": 6}
